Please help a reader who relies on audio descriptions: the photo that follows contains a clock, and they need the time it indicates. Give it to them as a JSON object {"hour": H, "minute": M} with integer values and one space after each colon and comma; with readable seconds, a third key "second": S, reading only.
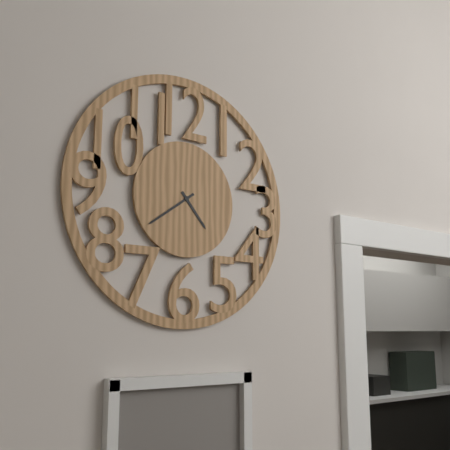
{"hour": 4, "minute": 39}
